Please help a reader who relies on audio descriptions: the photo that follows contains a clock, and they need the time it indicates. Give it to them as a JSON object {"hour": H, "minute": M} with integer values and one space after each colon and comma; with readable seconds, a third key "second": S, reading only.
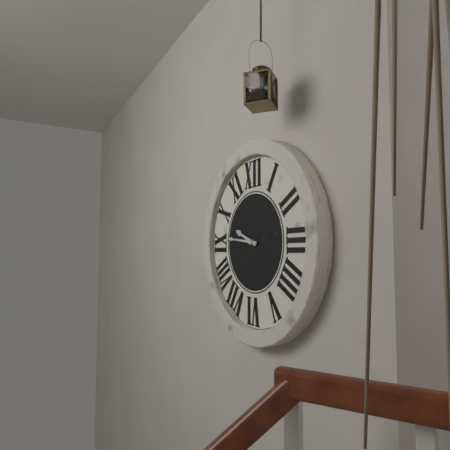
{"hour": 9, "minute": 46}
